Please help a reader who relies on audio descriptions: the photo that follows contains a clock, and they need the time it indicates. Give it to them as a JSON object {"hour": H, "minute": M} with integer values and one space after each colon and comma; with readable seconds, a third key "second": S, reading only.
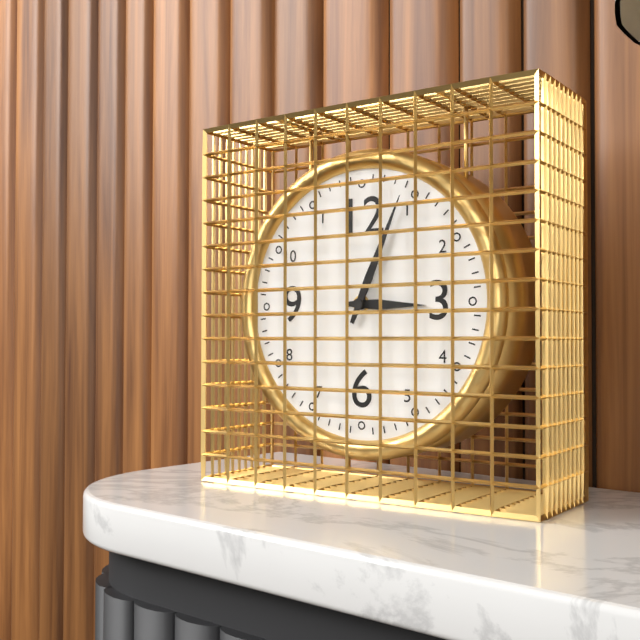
{"hour": 3, "minute": 4}
